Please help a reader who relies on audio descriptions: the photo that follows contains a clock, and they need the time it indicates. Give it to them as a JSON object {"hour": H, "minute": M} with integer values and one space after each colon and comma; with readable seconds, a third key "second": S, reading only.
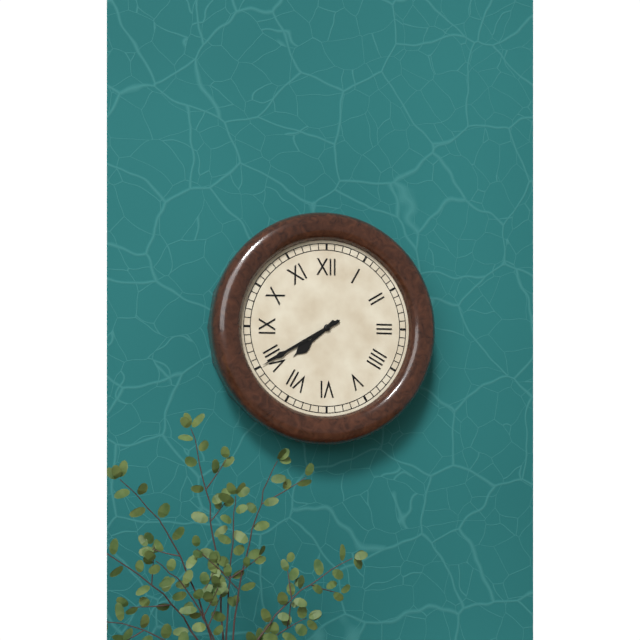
{"hour": 7, "minute": 40}
